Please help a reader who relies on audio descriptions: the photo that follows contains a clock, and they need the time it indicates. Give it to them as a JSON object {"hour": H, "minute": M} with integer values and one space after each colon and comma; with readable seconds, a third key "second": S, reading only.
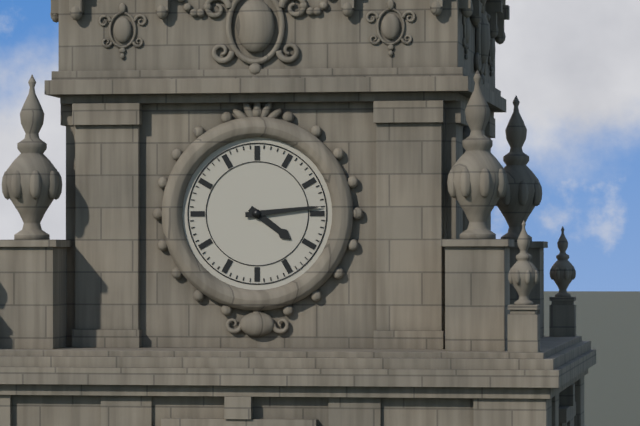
{"hour": 4, "minute": 14}
